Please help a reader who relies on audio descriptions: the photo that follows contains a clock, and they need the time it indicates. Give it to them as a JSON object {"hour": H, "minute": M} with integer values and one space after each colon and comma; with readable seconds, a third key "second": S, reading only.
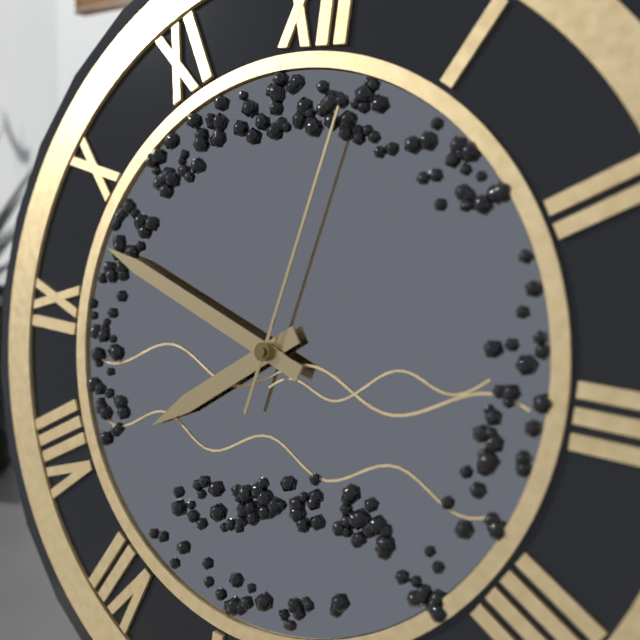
{"hour": 7, "minute": 48, "second": 2}
